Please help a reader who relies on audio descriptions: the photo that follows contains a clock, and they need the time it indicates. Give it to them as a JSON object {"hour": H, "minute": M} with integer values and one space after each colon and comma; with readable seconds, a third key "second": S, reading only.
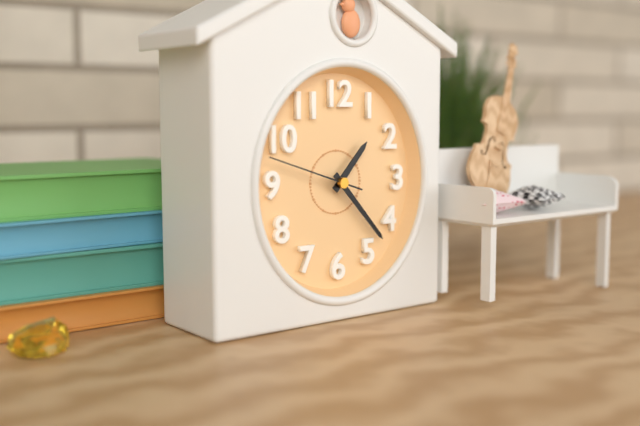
{"hour": 1, "minute": 23, "second": 48}
